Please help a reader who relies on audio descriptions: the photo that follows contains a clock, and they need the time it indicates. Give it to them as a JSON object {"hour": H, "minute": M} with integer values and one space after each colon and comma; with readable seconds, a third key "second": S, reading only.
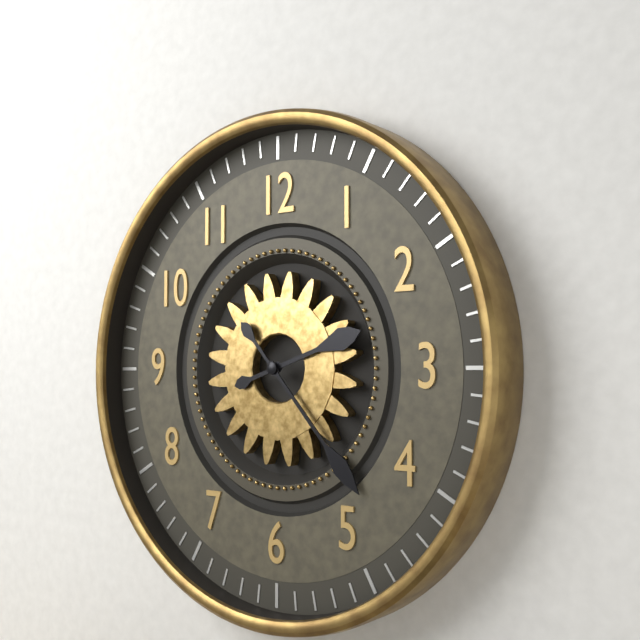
{"hour": 2, "minute": 23}
